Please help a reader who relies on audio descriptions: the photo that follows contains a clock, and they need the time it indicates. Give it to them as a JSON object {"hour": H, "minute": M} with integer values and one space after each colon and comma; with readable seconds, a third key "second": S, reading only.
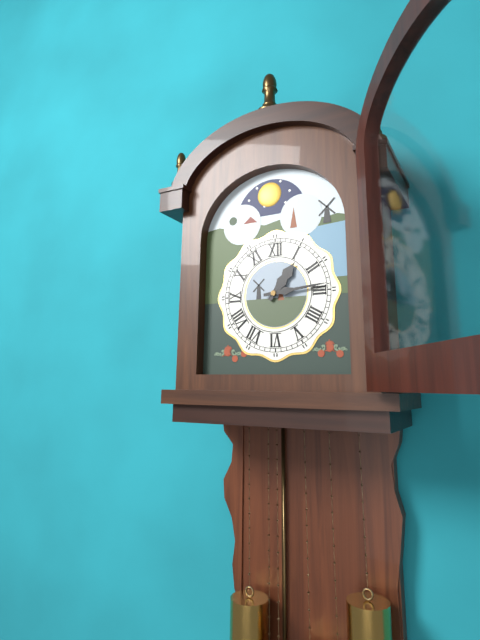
{"hour": 1, "minute": 14}
